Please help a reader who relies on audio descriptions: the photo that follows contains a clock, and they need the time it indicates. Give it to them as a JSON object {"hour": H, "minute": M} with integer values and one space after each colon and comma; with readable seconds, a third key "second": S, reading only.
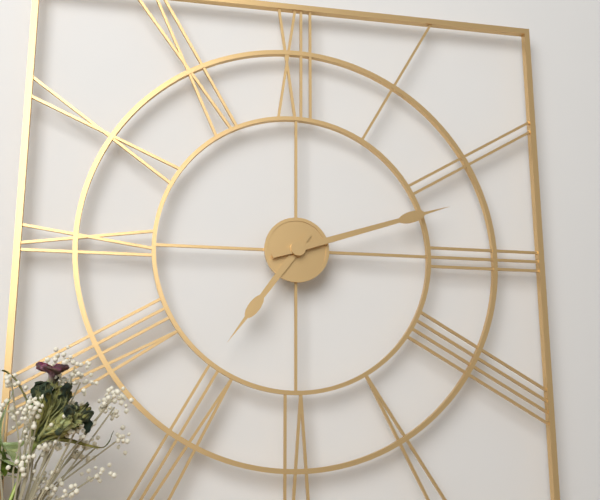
{"hour": 7, "minute": 12}
